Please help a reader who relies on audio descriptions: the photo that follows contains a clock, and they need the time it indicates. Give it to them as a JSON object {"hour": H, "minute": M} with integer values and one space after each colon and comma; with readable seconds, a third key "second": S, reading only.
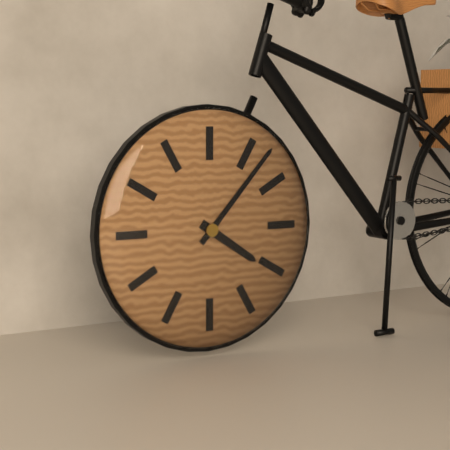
{"hour": 4, "minute": 7}
